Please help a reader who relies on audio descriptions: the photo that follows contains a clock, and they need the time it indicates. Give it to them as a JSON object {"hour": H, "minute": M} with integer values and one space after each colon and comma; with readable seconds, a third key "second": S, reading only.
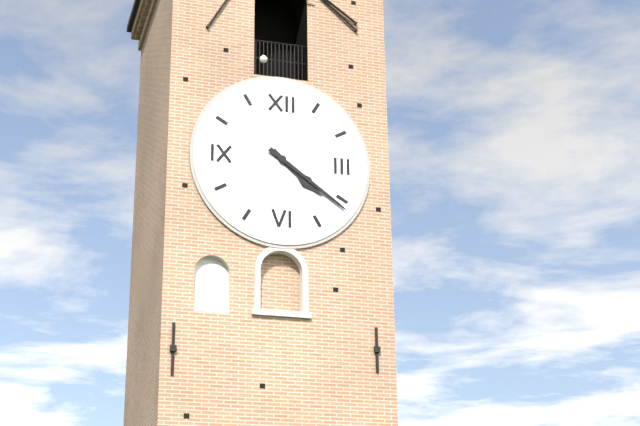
{"hour": 4, "minute": 21}
